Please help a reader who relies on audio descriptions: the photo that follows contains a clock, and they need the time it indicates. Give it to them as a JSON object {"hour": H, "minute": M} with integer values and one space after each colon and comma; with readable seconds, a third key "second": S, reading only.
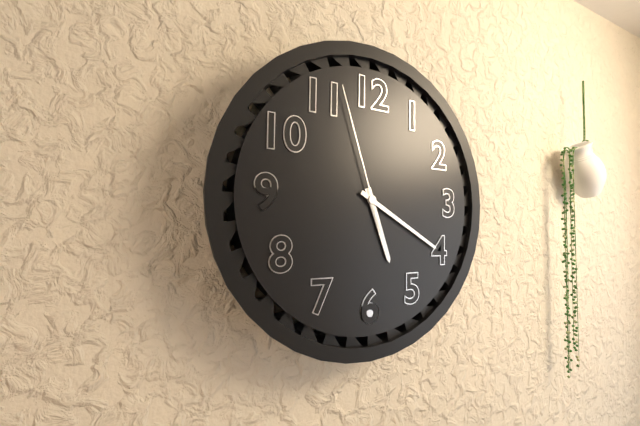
{"hour": 5, "minute": 20, "second": 57}
